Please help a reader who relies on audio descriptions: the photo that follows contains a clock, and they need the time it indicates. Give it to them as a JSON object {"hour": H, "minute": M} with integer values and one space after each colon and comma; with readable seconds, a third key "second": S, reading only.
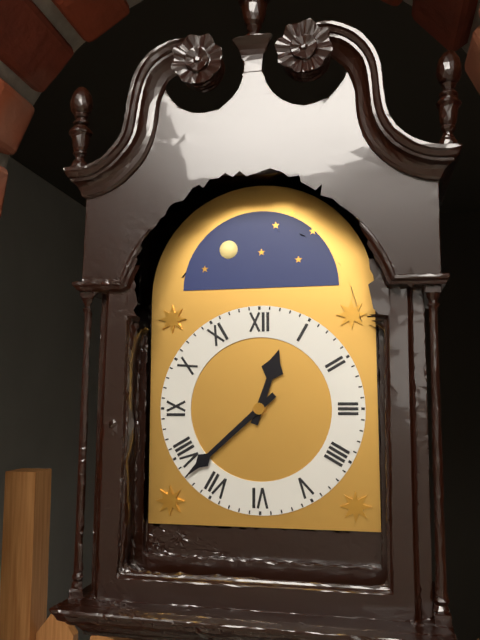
{"hour": 12, "minute": 38}
